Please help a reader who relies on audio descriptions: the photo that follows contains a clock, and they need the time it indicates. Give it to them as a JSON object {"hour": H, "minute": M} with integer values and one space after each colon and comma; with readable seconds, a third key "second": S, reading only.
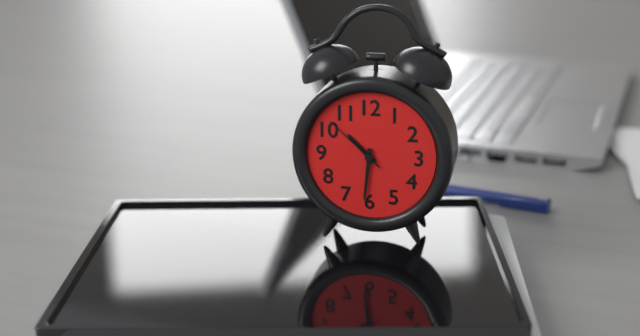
{"hour": 10, "minute": 31, "second": 52}
